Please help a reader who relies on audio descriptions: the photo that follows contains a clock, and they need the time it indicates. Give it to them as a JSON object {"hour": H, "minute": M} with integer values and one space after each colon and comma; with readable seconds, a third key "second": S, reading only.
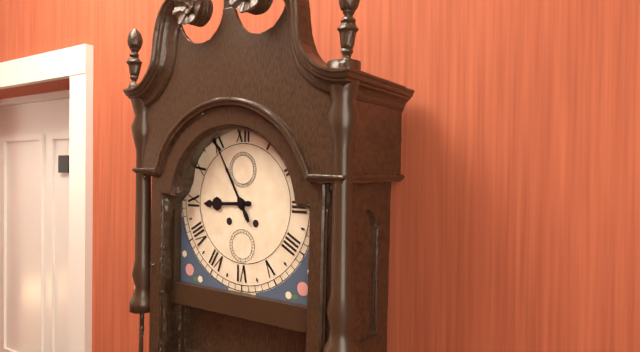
{"hour": 8, "minute": 55}
